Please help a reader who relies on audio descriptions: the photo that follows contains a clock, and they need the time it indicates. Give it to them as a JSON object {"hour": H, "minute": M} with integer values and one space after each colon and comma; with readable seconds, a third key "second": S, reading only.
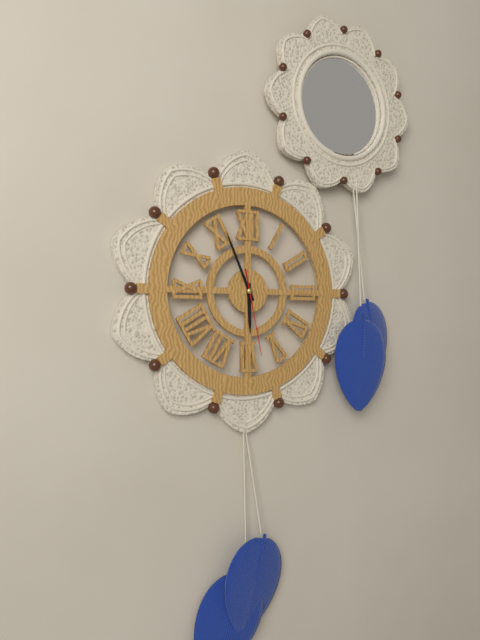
{"hour": 5, "minute": 56, "second": 28}
